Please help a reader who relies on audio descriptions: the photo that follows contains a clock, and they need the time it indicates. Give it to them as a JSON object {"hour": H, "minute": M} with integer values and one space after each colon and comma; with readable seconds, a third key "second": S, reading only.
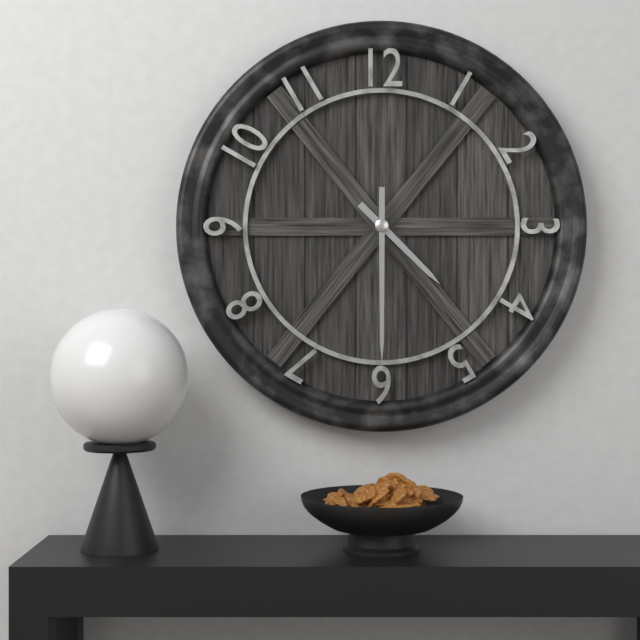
{"hour": 4, "minute": 30}
